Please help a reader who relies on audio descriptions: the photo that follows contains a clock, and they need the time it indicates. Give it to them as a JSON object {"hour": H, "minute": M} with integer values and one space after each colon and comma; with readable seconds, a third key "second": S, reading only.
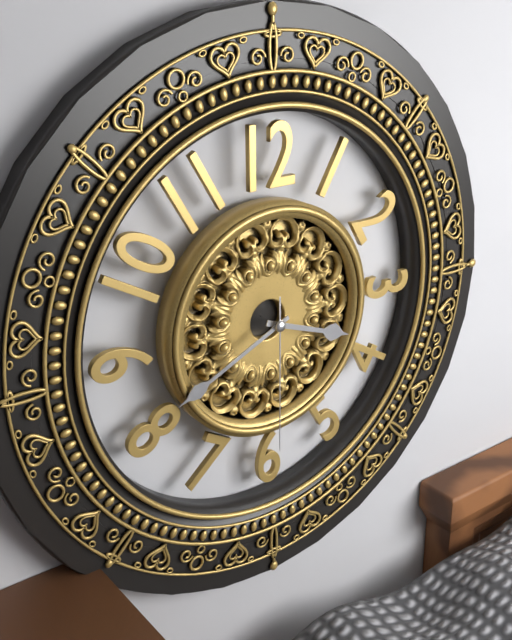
{"hour": 3, "minute": 41, "second": 30}
